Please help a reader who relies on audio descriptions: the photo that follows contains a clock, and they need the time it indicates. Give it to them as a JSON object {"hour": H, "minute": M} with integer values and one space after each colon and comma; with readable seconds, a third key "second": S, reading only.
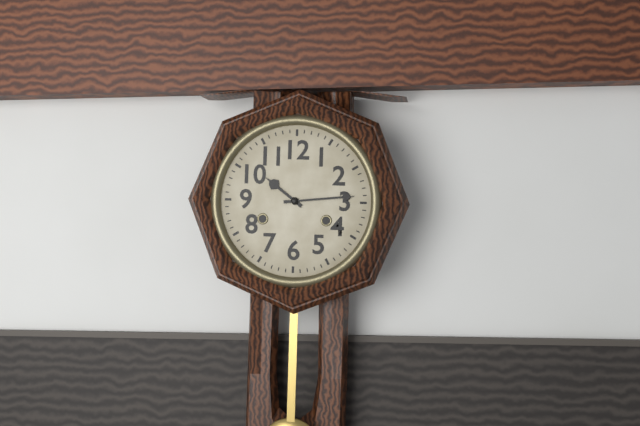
{"hour": 10, "minute": 14}
